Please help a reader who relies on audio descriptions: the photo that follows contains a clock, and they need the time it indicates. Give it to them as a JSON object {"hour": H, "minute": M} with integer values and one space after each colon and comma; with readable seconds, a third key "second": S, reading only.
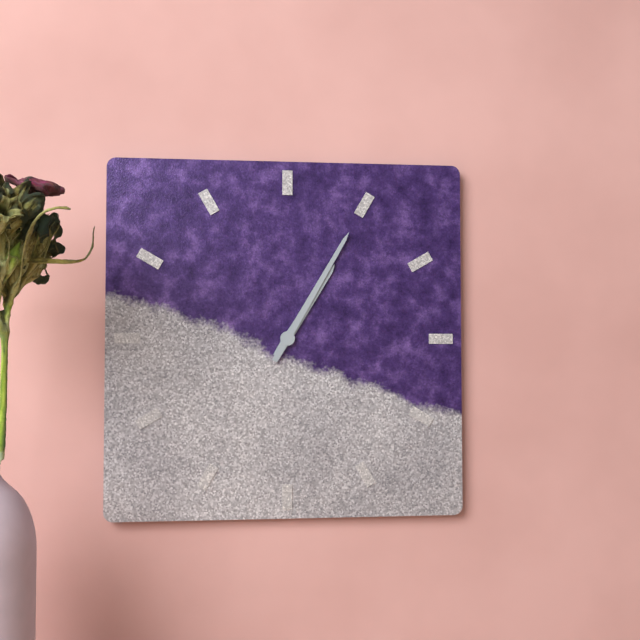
{"hour": 1, "minute": 5}
